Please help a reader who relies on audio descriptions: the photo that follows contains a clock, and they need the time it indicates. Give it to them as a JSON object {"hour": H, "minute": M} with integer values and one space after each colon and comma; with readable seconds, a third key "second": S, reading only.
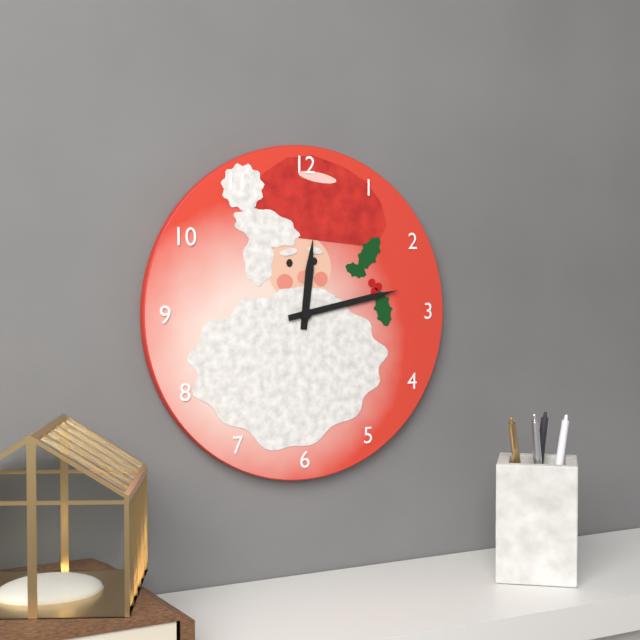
{"hour": 12, "minute": 13}
